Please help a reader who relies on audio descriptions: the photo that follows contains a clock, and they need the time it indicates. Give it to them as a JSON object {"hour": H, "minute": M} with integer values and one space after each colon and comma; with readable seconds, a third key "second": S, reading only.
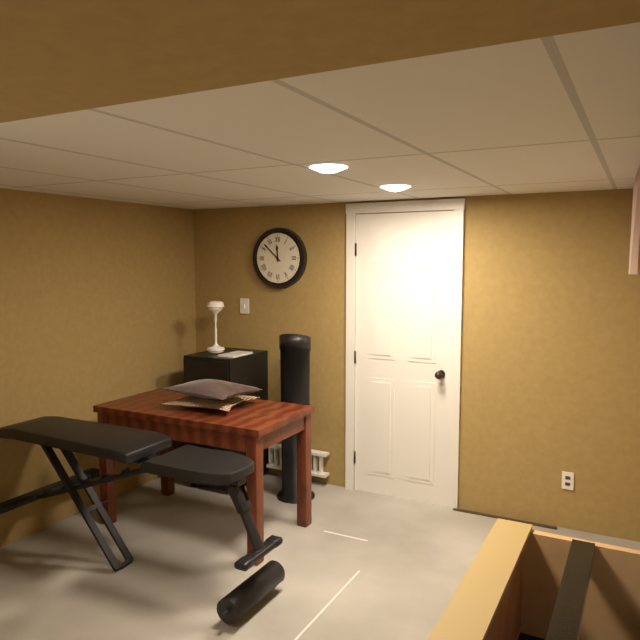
{"hour": 11, "minute": 52}
